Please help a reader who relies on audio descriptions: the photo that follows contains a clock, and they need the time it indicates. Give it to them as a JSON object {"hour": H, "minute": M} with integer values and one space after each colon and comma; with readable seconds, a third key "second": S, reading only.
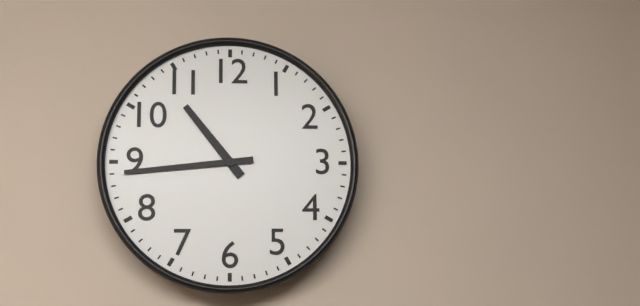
{"hour": 10, "minute": 44}
